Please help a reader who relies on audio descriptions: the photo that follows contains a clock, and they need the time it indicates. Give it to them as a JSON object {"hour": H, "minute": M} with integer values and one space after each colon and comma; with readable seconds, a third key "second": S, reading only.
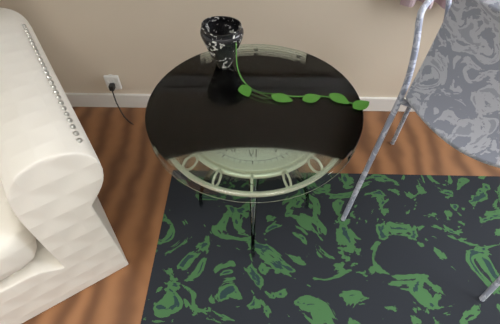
{"hour": 11, "minute": 46}
